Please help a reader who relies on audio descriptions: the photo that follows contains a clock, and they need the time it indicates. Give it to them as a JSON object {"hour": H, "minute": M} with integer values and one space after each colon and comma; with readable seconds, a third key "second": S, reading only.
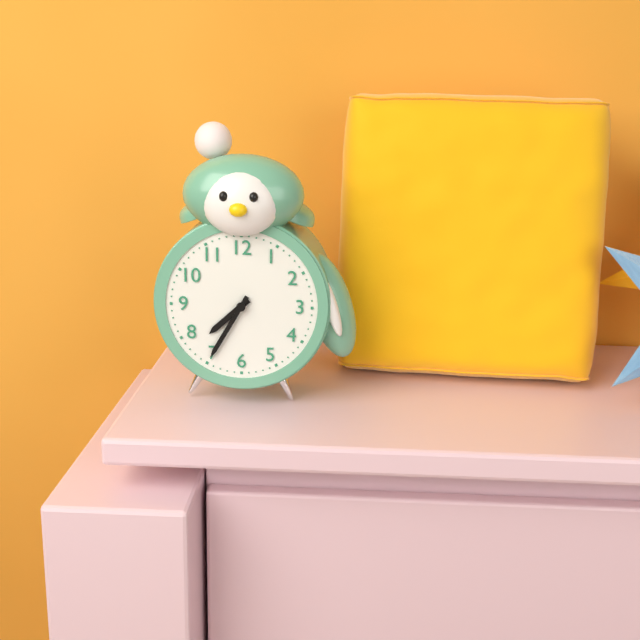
{"hour": 7, "minute": 35}
